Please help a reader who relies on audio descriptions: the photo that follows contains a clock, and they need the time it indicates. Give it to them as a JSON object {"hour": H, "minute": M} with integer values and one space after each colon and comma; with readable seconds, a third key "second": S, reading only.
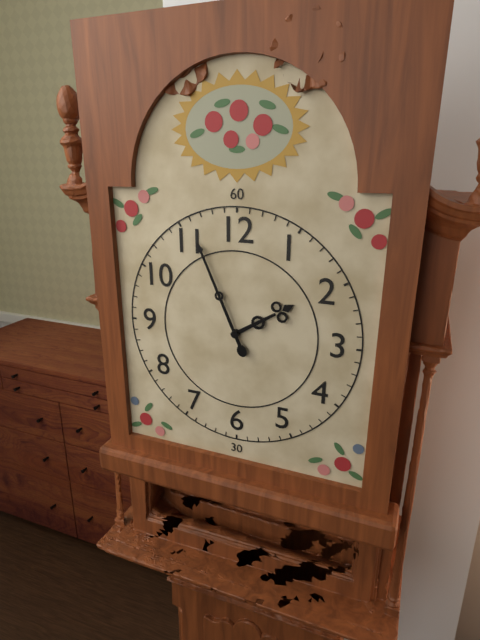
{"hour": 1, "minute": 56}
